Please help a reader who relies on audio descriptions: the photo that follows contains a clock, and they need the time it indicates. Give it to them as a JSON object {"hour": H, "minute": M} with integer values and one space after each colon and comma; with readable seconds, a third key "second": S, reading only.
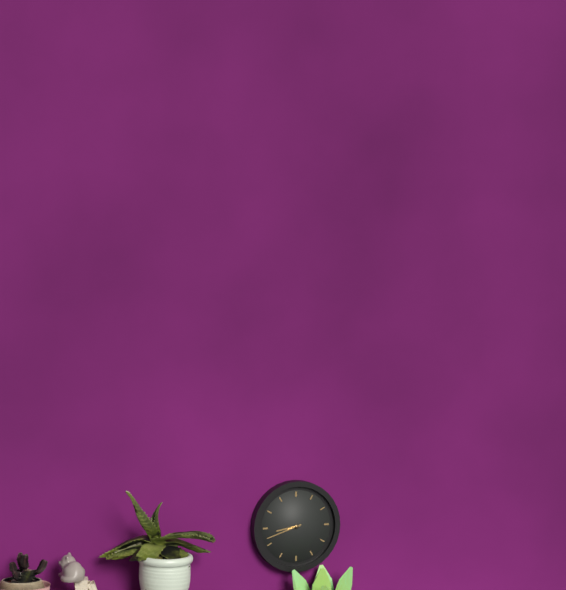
{"hour": 8, "minute": 42}
